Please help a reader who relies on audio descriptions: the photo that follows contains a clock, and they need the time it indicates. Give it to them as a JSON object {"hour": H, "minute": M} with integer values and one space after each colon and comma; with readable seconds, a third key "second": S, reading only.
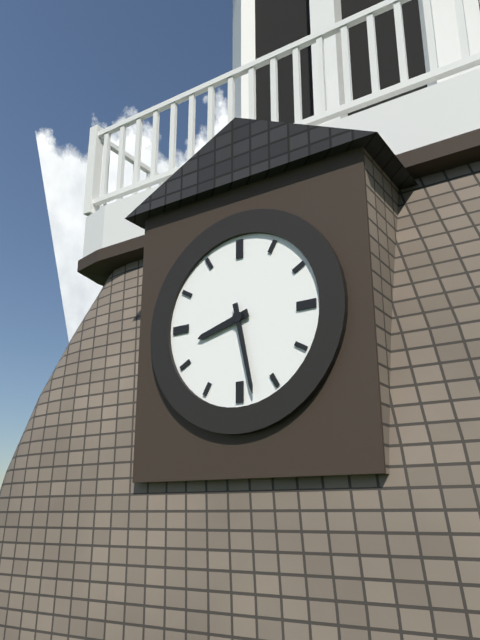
{"hour": 8, "minute": 28}
